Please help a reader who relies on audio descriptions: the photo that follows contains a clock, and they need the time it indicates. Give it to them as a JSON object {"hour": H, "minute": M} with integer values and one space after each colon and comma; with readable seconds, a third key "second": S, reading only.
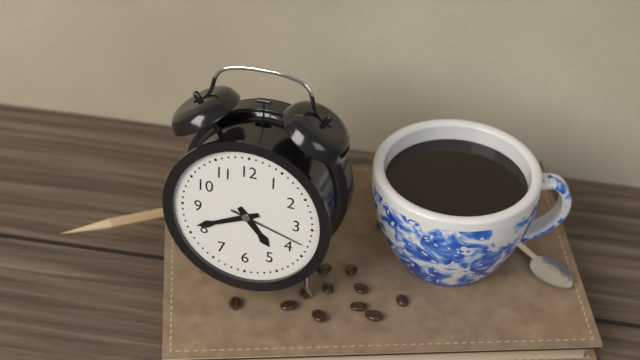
{"hour": 4, "minute": 41, "second": 18}
